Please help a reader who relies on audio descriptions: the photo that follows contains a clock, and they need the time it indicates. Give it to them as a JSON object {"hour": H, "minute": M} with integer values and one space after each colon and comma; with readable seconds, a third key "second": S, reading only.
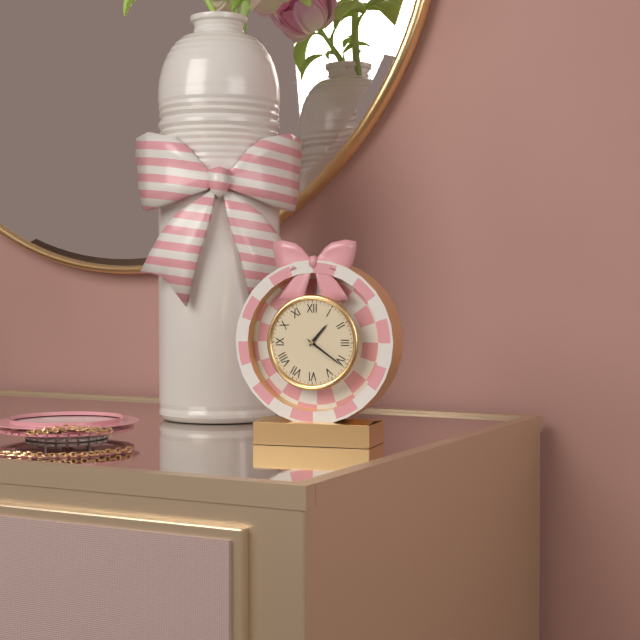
{"hour": 1, "minute": 21}
